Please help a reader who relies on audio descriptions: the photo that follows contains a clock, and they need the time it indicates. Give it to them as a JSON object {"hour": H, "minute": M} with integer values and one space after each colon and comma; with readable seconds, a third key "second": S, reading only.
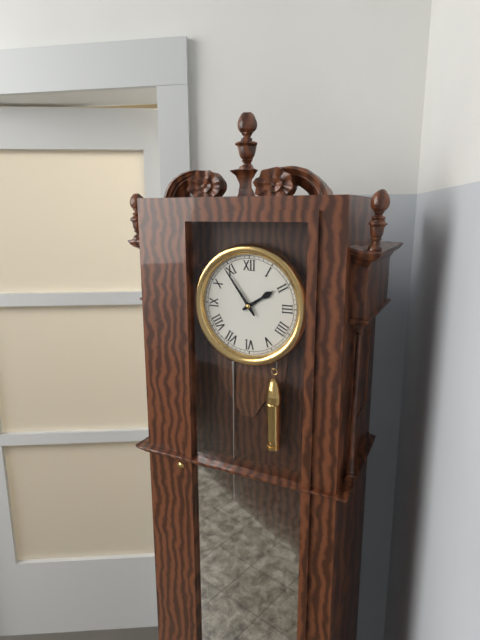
{"hour": 1, "minute": 54}
